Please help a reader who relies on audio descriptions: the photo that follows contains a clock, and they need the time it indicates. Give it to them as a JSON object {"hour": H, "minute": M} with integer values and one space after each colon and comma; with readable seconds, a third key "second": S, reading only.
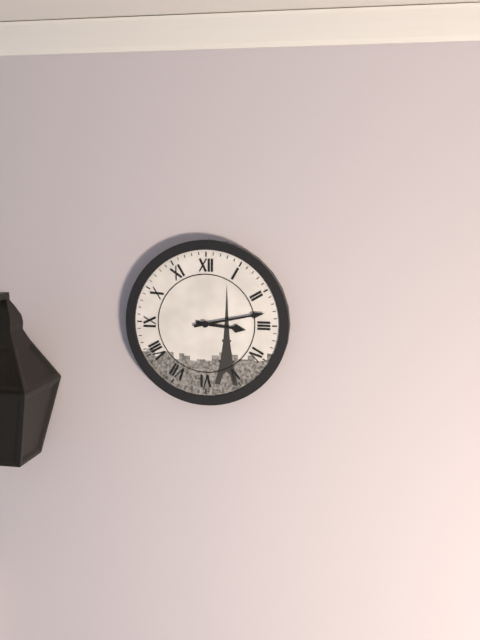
{"hour": 3, "minute": 13}
